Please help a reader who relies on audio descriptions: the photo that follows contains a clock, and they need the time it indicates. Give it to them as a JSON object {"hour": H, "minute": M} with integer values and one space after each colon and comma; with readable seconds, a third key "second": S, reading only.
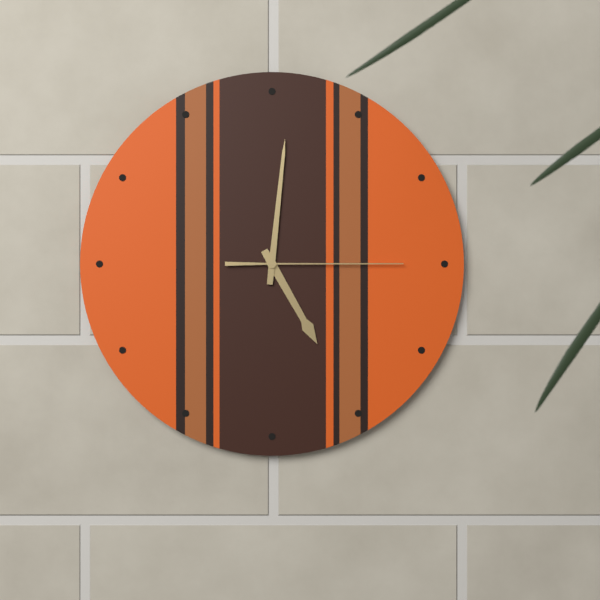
{"hour": 5, "minute": 1, "second": 15}
